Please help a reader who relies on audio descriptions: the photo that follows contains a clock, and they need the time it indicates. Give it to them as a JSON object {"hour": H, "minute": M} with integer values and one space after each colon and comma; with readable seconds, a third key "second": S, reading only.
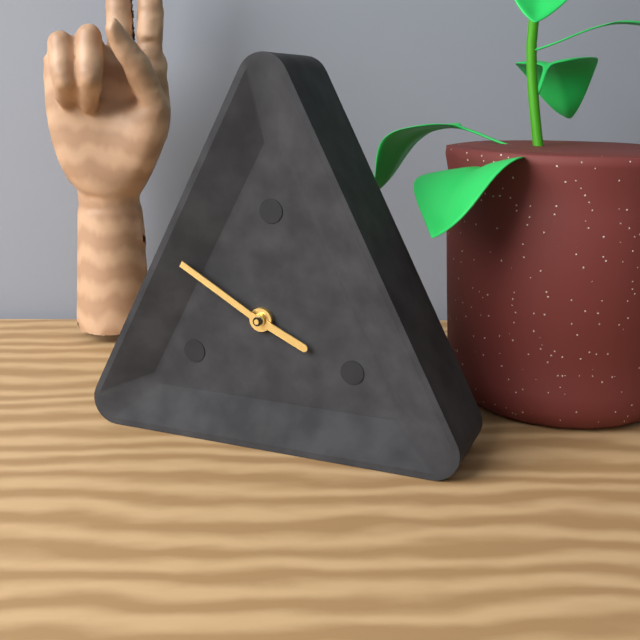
{"hour": 3, "minute": 50}
